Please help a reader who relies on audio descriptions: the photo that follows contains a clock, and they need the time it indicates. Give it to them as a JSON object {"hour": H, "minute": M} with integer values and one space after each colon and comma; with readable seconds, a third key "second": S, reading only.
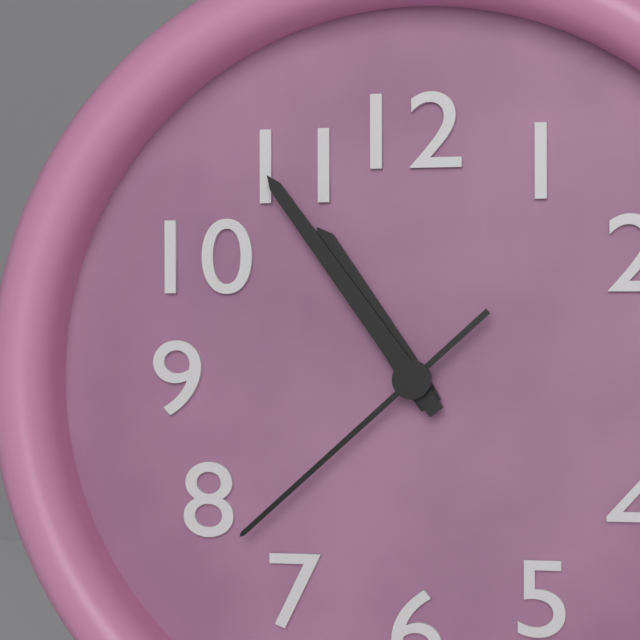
{"hour": 10, "minute": 54, "second": 38}
